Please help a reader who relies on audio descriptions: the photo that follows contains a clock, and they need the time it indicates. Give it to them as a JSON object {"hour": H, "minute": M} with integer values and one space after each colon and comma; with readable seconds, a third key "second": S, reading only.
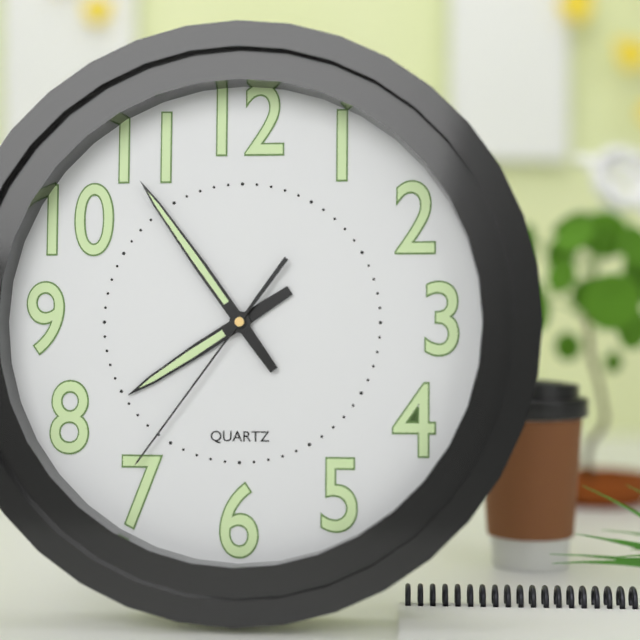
{"hour": 7, "minute": 54, "second": 36}
